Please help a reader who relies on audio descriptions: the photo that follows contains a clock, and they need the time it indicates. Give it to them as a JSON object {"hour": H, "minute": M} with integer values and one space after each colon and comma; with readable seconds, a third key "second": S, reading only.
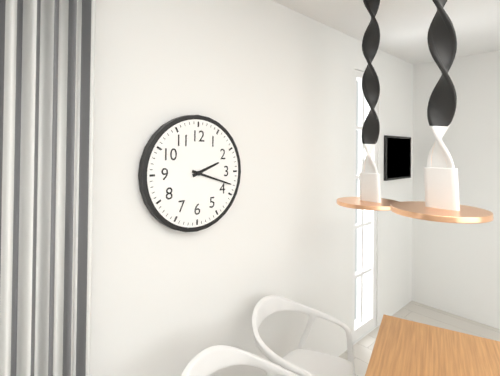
{"hour": 2, "minute": 18}
